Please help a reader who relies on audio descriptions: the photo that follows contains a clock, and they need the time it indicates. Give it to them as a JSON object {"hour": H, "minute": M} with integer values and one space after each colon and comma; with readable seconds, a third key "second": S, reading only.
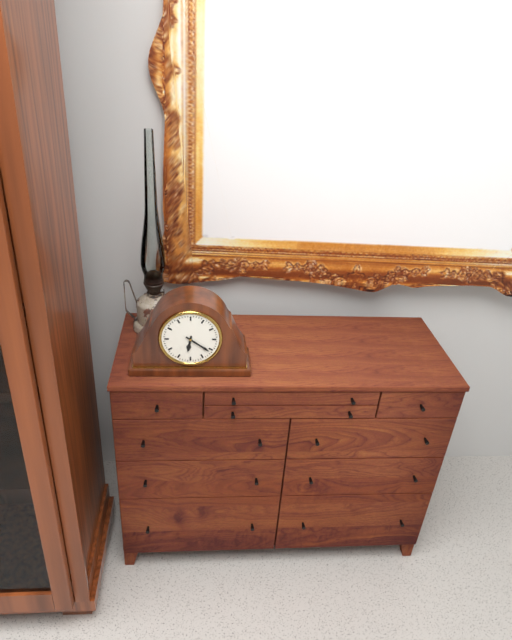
{"hour": 6, "minute": 21}
